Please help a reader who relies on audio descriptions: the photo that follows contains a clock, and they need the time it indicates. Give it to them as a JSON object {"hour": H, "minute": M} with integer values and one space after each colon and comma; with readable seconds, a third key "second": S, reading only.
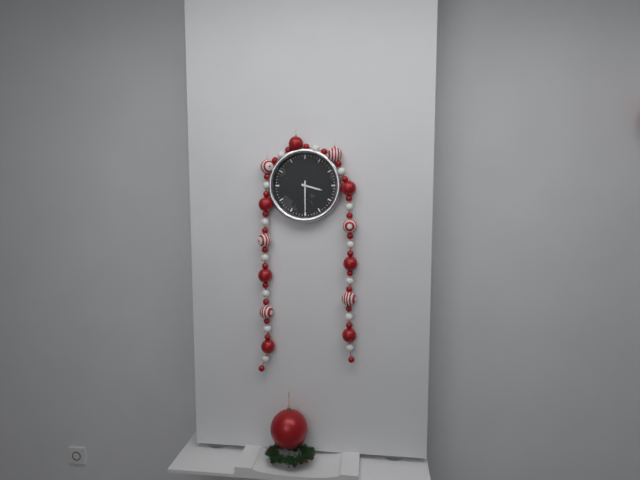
{"hour": 3, "minute": 30}
